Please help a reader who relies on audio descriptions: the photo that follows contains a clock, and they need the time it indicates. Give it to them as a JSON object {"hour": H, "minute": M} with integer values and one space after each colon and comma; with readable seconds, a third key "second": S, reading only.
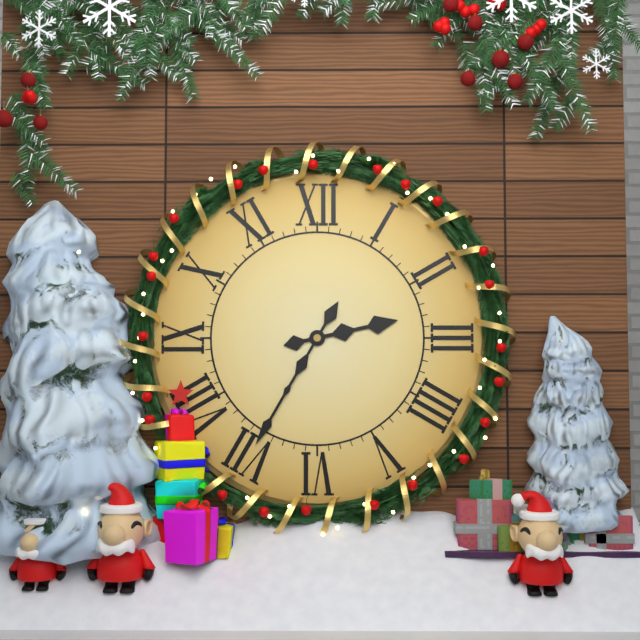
{"hour": 2, "minute": 35}
